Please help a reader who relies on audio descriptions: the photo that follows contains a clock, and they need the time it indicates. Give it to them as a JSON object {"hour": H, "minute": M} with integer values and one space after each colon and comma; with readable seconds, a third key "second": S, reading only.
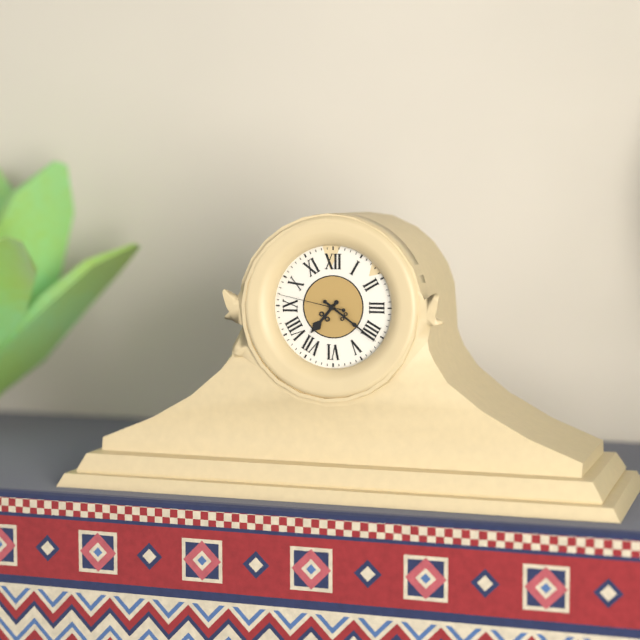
{"hour": 7, "minute": 21, "second": 47}
